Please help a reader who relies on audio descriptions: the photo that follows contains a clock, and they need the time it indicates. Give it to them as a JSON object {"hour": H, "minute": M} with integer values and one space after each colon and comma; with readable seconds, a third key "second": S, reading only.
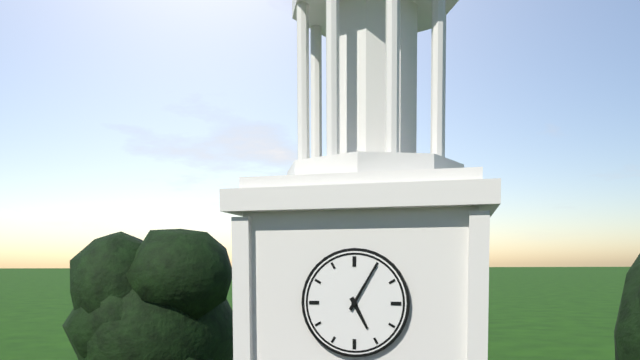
{"hour": 5, "minute": 5}
